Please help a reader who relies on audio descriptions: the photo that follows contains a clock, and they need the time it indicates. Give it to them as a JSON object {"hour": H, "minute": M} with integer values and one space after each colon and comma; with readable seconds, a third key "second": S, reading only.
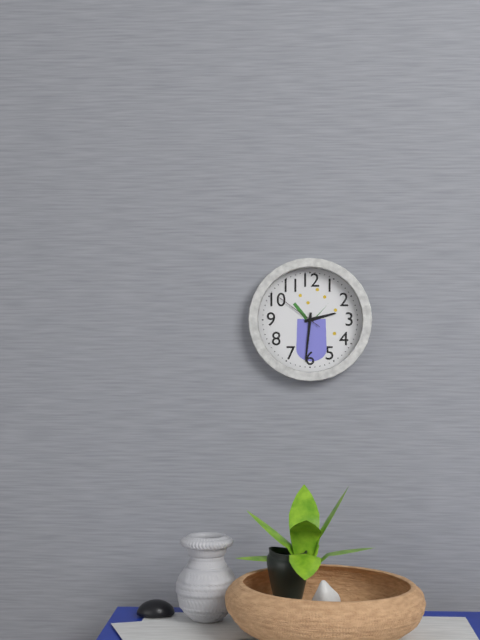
{"hour": 2, "minute": 31, "second": 51}
